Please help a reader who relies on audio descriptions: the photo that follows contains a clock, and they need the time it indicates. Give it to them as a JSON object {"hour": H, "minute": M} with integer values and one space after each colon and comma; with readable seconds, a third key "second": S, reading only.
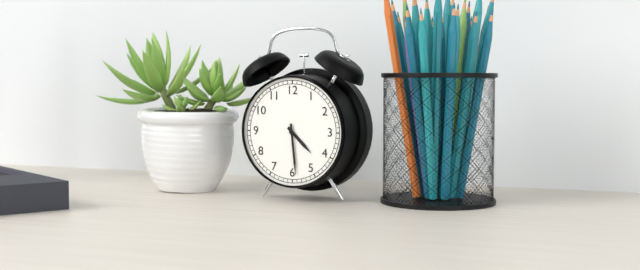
{"hour": 4, "minute": 29}
